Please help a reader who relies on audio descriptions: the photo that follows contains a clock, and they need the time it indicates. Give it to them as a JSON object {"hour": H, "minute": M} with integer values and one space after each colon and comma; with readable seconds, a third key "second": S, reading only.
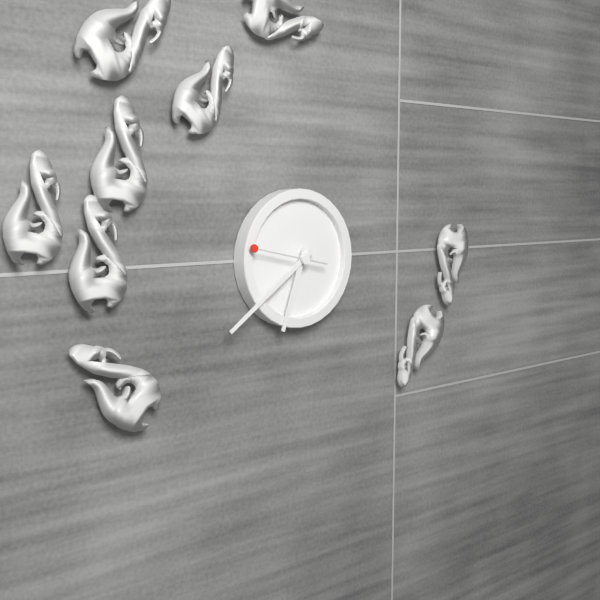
{"hour": 6, "minute": 39, "second": 47}
